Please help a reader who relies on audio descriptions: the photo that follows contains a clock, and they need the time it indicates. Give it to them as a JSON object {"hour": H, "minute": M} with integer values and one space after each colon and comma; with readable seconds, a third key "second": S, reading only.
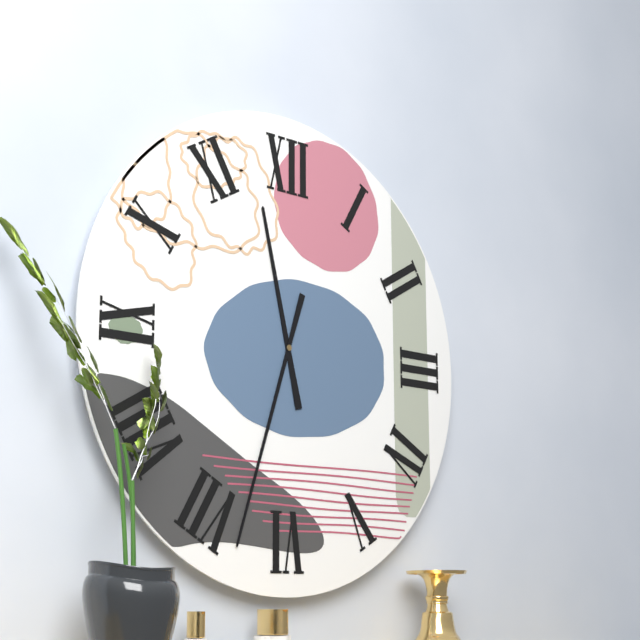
{"hour": 11, "minute": 33}
